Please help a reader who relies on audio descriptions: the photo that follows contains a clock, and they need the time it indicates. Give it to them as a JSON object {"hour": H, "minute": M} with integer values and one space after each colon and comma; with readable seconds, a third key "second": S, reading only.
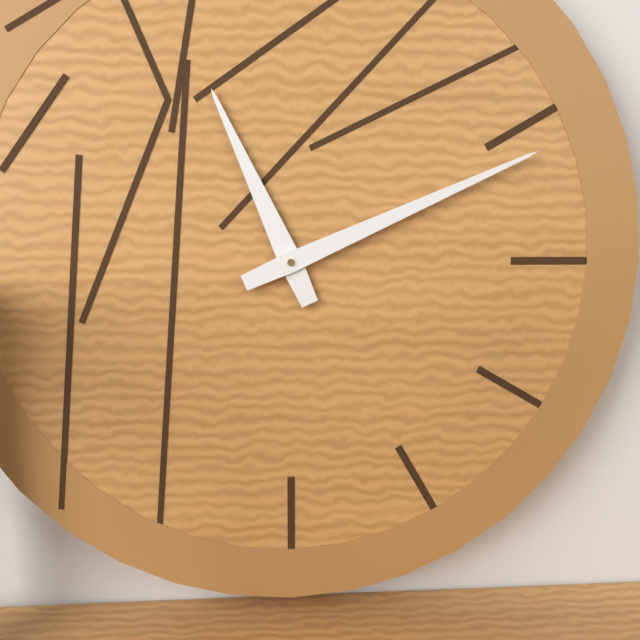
{"hour": 11, "minute": 11}
